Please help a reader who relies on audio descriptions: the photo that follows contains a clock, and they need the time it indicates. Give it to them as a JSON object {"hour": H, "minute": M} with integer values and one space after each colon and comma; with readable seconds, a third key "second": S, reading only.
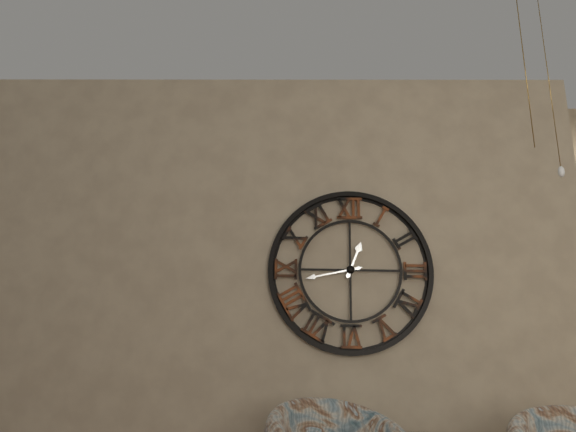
{"hour": 12, "minute": 43}
